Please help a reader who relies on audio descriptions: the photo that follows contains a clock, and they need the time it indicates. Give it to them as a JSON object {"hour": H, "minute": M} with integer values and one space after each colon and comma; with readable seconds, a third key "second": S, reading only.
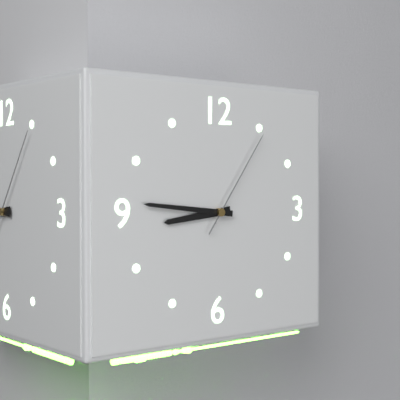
{"hour": 8, "minute": 46, "second": 6}
